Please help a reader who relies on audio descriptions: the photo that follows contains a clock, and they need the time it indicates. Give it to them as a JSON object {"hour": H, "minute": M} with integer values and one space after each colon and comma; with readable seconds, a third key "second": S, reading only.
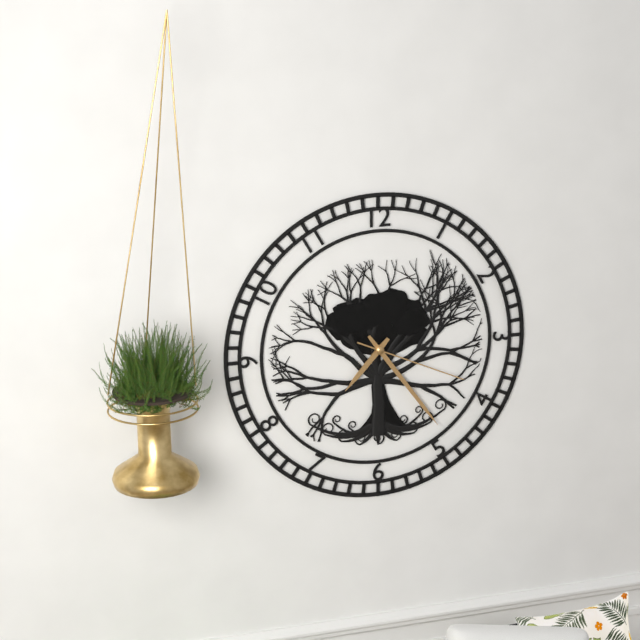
{"hour": 7, "minute": 24, "second": 19}
